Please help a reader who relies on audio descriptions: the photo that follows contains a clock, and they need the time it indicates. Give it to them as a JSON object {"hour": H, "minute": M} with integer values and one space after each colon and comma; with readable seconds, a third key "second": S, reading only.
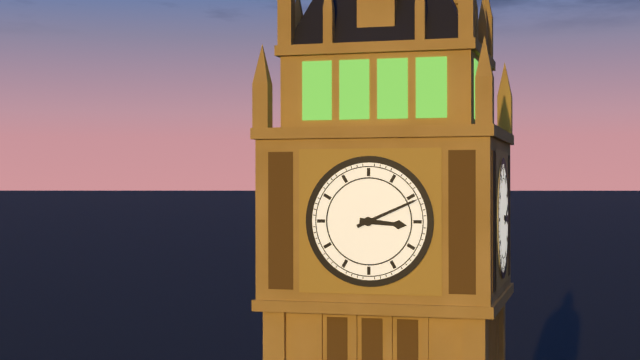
{"hour": 3, "minute": 11}
